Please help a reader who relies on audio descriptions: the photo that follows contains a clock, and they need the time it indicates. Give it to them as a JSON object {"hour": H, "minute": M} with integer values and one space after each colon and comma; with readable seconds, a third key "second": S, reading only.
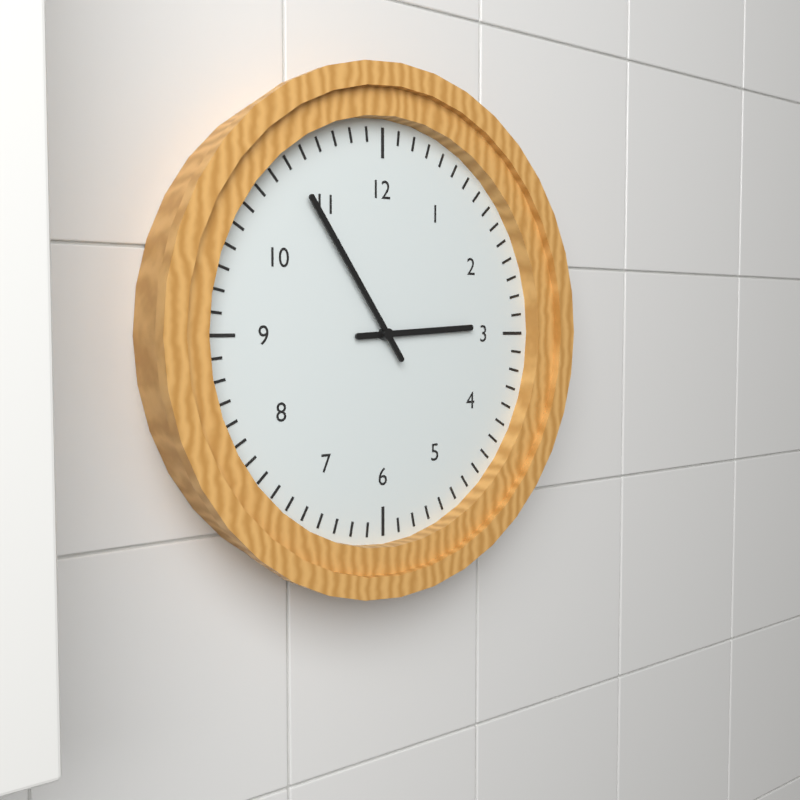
{"hour": 2, "minute": 54}
